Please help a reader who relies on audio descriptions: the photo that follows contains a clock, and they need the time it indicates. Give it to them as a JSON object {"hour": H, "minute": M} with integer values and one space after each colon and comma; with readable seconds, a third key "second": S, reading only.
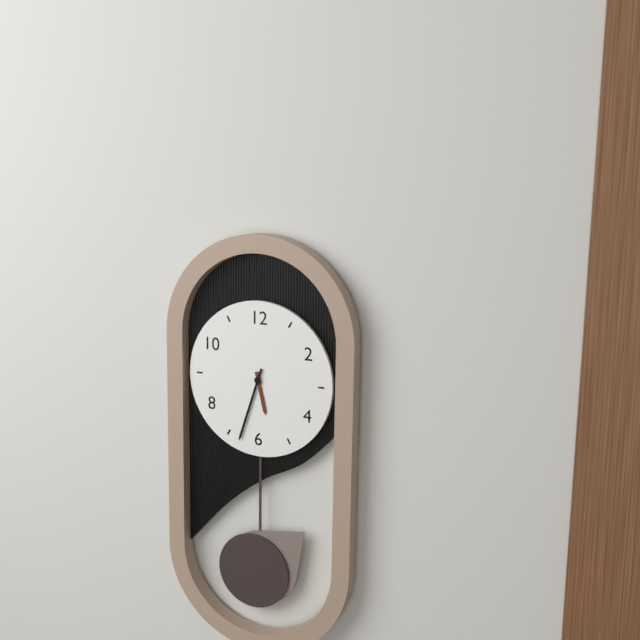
{"hour": 5, "minute": 33}
